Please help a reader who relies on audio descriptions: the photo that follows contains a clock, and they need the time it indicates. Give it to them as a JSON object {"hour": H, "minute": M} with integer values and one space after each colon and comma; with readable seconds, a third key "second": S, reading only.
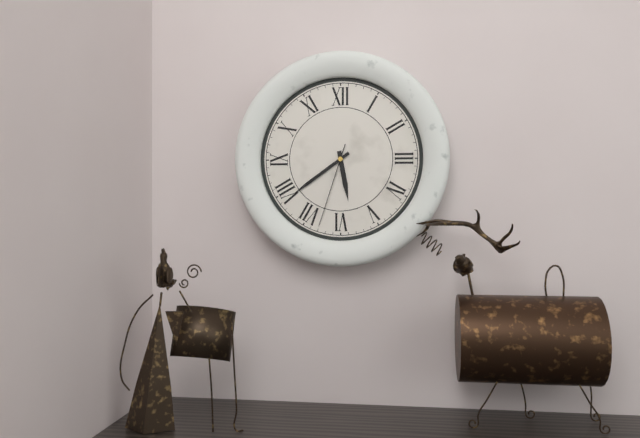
{"hour": 5, "minute": 39, "second": 33}
